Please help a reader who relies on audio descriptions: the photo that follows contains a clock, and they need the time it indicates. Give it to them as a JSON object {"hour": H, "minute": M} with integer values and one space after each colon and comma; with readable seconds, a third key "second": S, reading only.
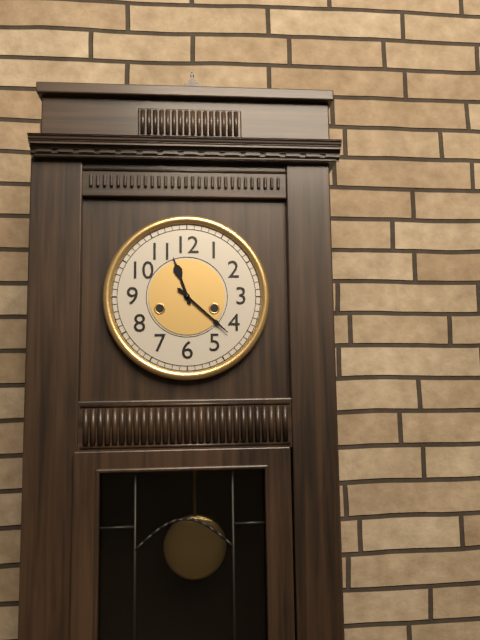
{"hour": 11, "minute": 22}
